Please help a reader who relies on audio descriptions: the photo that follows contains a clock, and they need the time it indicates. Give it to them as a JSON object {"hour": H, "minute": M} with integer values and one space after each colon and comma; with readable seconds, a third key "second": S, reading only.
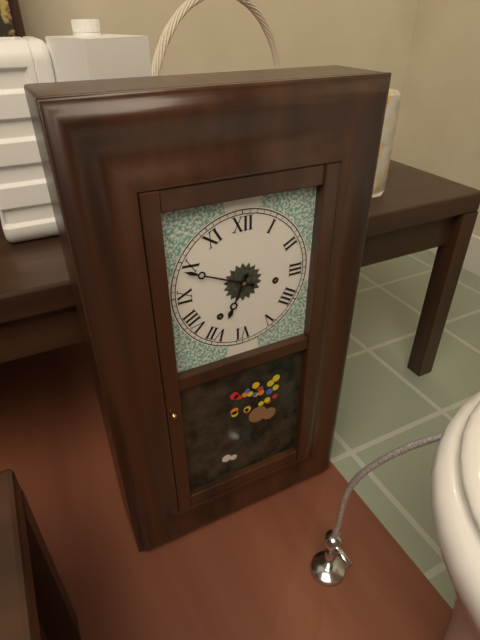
{"hour": 6, "minute": 49}
